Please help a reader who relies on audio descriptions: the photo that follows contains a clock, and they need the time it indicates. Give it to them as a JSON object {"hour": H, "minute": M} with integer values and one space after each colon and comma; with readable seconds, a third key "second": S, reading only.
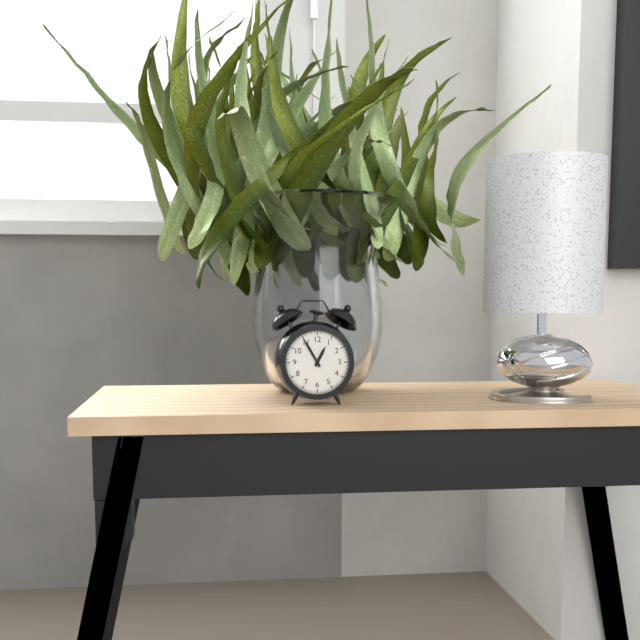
{"hour": 12, "minute": 55}
